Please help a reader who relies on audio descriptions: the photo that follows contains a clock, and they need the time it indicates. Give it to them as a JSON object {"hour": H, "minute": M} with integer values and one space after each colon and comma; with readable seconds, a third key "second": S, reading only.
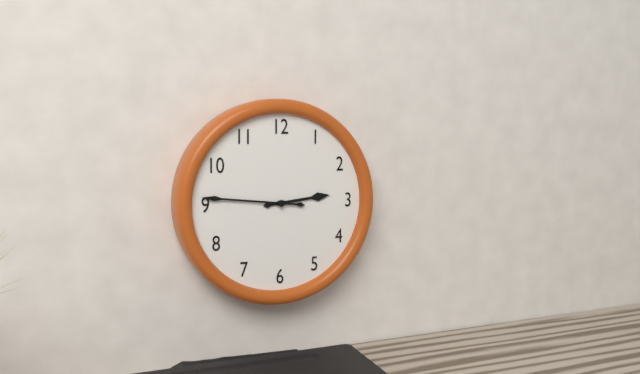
{"hour": 2, "minute": 46}
